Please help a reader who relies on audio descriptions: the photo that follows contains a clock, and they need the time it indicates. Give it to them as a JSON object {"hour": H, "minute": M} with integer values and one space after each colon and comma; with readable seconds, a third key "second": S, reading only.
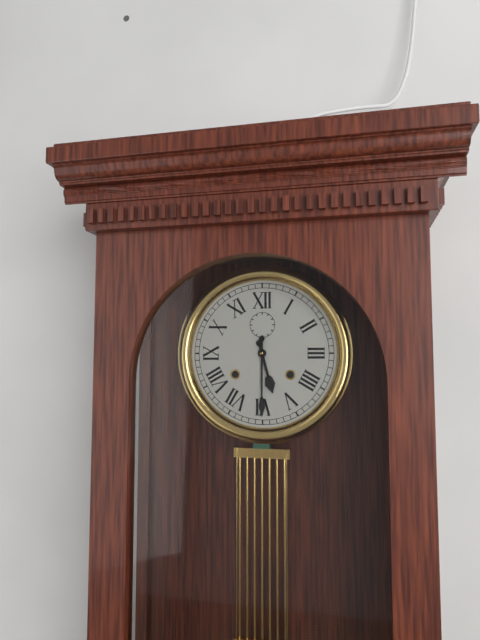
{"hour": 5, "minute": 30}
